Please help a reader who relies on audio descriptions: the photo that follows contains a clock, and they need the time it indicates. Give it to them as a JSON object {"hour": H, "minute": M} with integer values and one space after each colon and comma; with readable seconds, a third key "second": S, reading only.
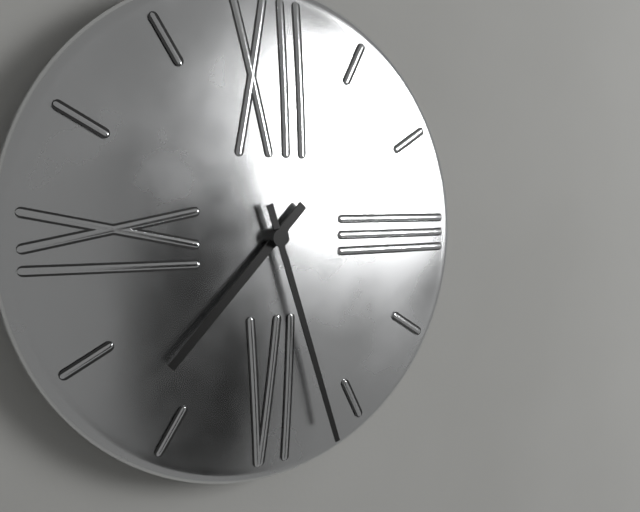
{"hour": 7, "minute": 27}
